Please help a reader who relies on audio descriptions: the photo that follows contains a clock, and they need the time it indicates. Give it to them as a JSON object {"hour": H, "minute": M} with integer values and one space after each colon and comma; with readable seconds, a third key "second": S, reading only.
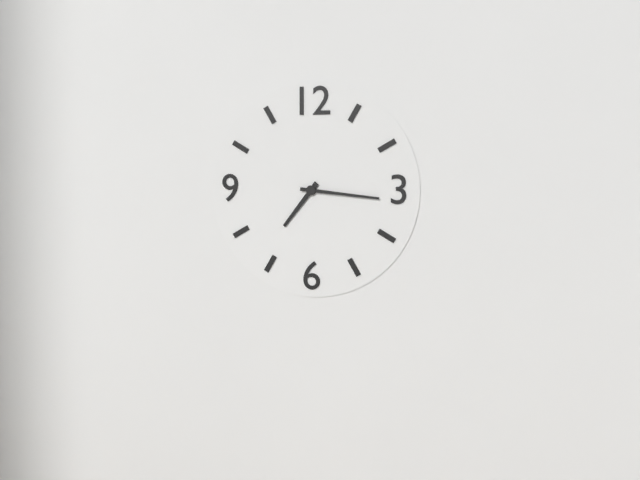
{"hour": 7, "minute": 16}
